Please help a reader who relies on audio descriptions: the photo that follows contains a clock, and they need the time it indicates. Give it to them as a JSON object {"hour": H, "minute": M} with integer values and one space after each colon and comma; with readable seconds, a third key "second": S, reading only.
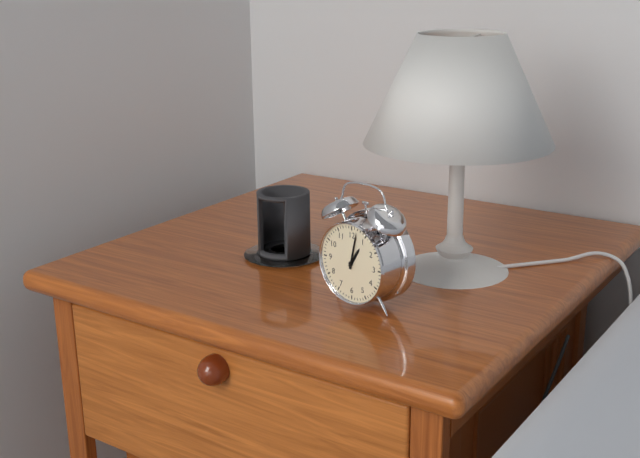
{"hour": 1, "minute": 2}
